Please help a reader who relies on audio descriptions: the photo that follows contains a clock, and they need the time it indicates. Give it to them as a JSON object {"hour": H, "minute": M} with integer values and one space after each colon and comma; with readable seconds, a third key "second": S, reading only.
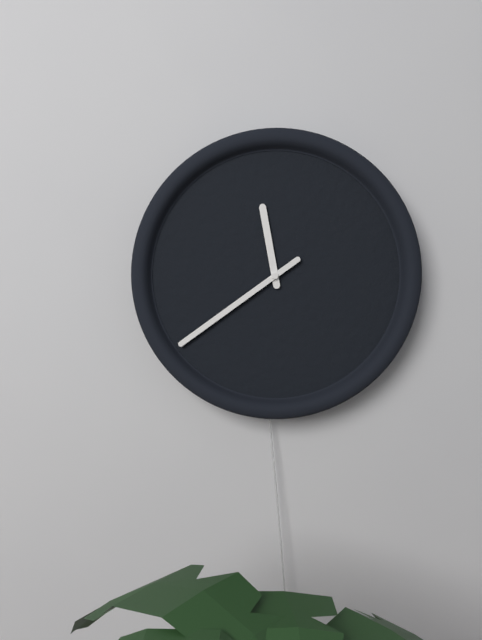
{"hour": 11, "minute": 39}
